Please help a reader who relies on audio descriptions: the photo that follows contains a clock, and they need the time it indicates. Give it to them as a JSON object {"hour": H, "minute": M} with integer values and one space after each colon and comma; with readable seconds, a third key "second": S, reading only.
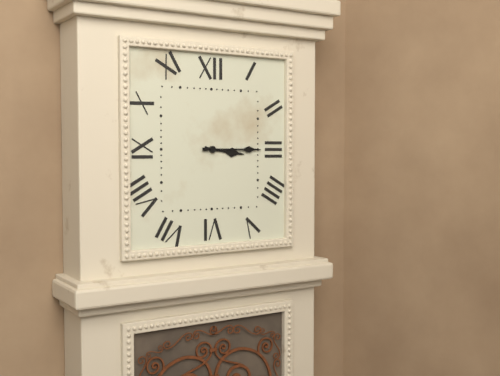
{"hour": 3, "minute": 15}
